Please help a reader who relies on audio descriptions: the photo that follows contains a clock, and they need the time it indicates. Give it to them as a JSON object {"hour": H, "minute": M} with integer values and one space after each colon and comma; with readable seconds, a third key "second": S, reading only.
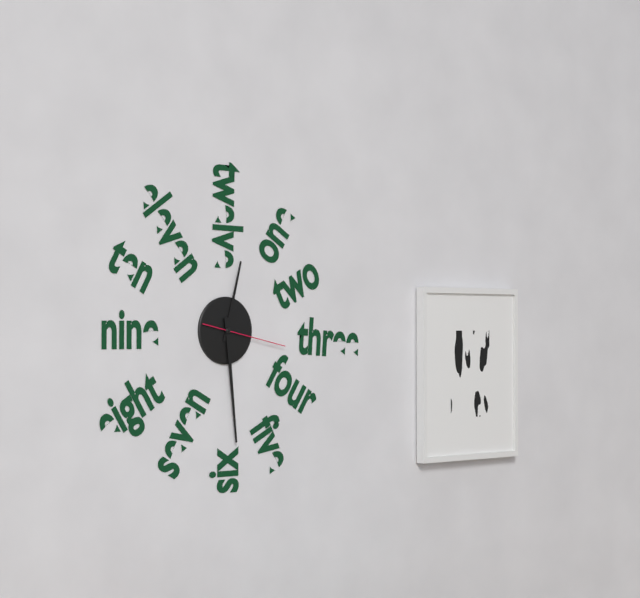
{"hour": 12, "minute": 29, "second": 17}
